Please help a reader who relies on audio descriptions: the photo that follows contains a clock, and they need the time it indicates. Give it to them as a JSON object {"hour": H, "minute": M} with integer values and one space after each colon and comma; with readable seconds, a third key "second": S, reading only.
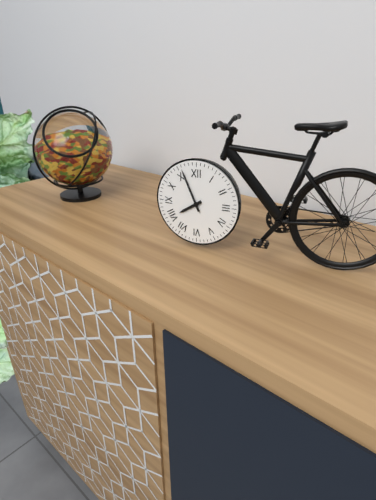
{"hour": 7, "minute": 56}
